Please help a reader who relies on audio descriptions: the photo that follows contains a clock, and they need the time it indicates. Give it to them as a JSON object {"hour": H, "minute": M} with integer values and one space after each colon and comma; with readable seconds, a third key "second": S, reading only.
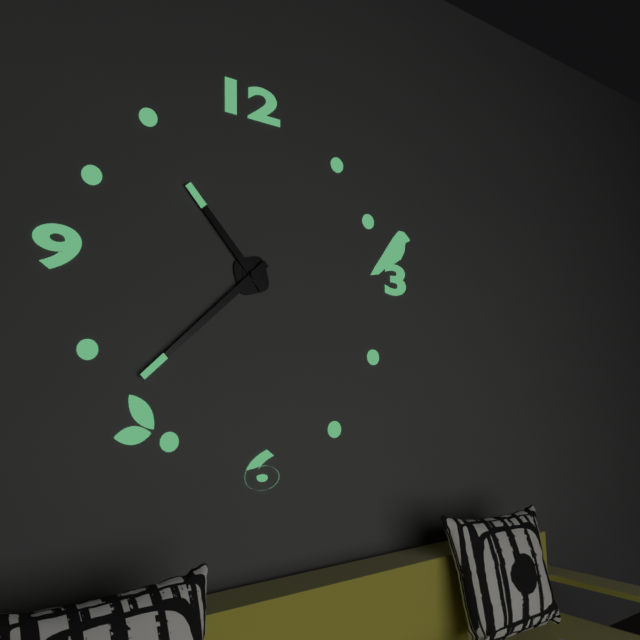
{"hour": 10, "minute": 38}
